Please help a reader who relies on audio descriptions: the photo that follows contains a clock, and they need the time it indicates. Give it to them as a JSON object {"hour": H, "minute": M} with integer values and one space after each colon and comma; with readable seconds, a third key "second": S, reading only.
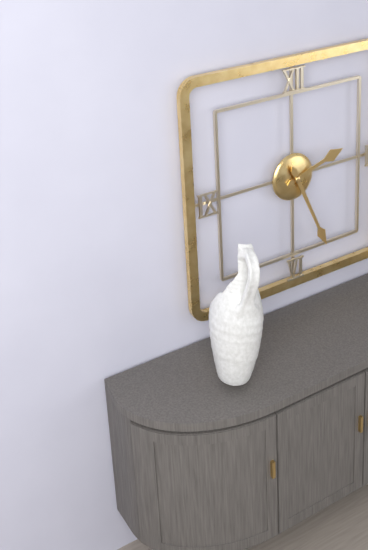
{"hour": 2, "minute": 26}
